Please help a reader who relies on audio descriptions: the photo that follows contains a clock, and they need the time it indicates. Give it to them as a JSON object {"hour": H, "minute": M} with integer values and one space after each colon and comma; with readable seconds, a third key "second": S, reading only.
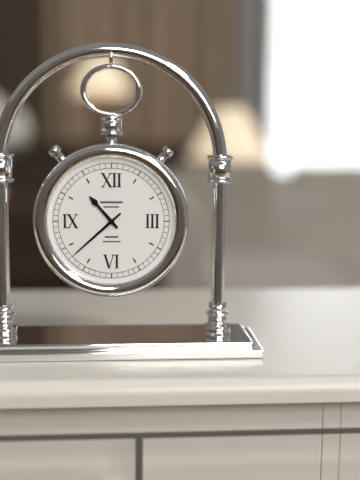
{"hour": 10, "minute": 38}
